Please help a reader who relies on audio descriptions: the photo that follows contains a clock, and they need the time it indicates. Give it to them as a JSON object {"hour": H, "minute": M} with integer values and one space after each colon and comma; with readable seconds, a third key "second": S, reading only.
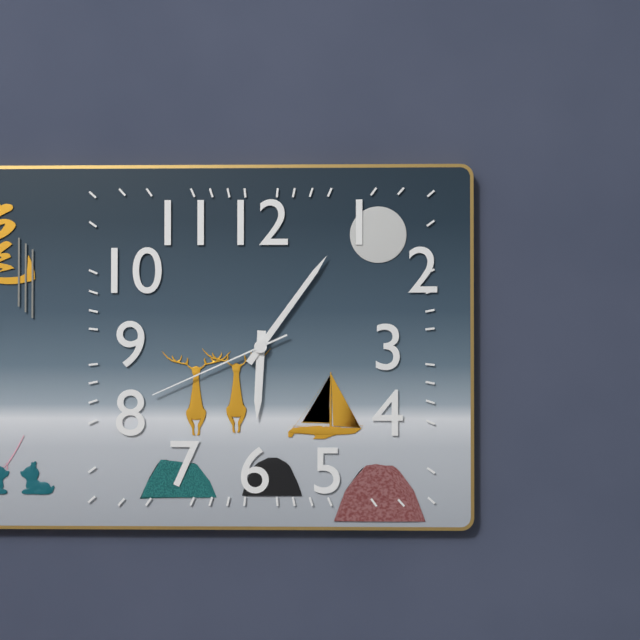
{"hour": 6, "minute": 6, "second": 41}
